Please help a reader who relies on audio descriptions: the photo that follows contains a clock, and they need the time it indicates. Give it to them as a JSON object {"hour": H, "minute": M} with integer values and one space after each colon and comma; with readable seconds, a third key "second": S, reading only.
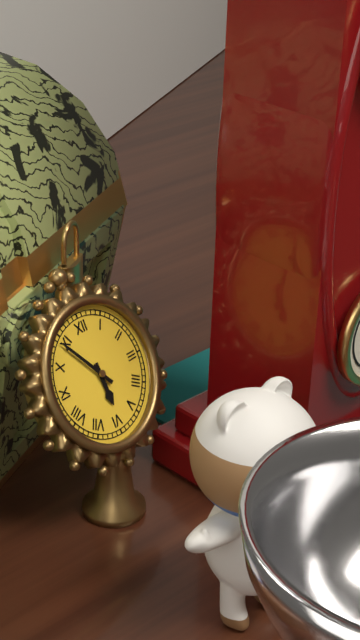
{"hour": 5, "minute": 54}
